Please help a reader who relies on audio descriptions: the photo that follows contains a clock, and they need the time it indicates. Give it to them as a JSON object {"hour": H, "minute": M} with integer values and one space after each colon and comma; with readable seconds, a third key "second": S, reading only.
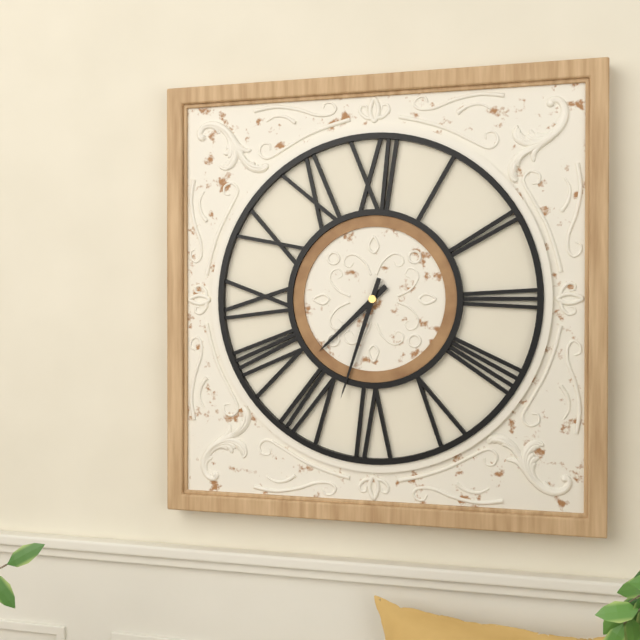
{"hour": 7, "minute": 33}
